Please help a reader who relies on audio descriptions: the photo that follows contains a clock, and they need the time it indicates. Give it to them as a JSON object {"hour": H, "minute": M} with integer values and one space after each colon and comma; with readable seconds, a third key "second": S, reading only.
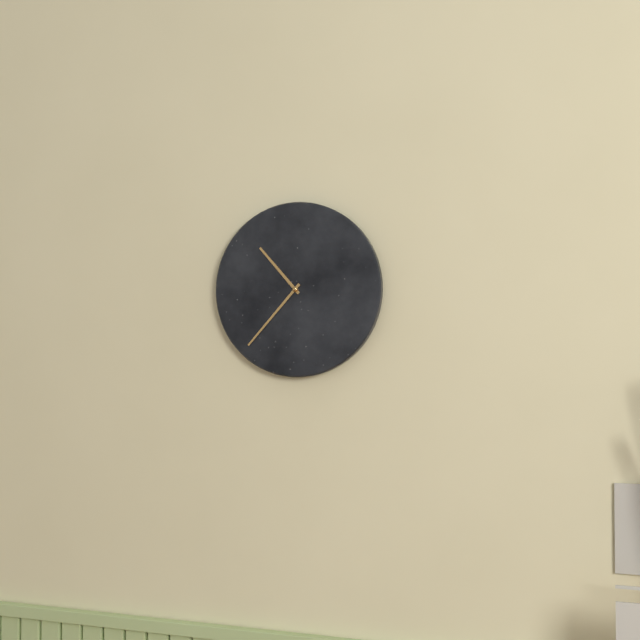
{"hour": 10, "minute": 37}
